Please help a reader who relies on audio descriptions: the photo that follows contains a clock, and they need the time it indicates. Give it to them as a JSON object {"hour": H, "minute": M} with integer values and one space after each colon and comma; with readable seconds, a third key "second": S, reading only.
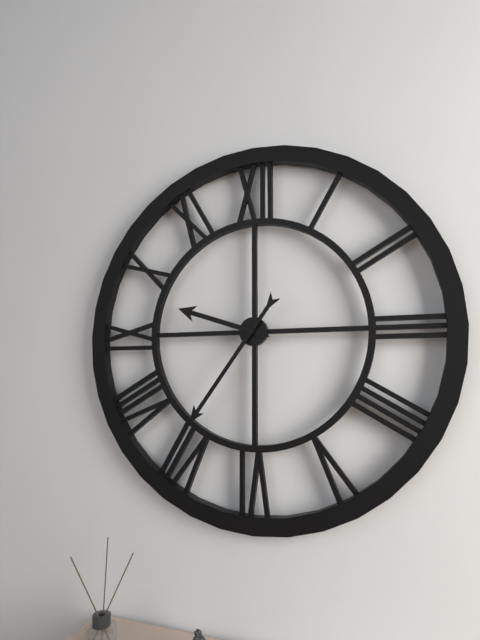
{"hour": 9, "minute": 36}
